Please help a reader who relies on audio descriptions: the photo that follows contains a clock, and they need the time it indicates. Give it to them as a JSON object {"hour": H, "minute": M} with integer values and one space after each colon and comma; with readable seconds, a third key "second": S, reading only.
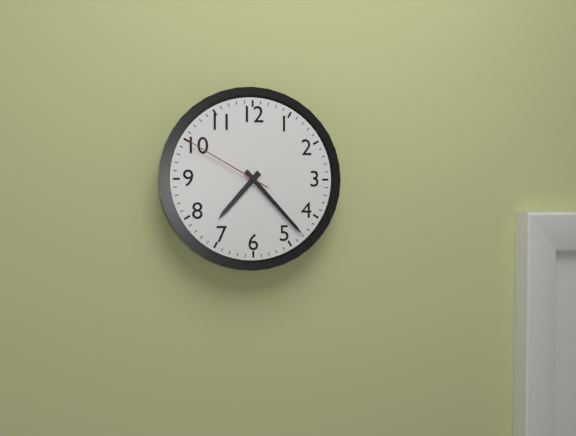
{"hour": 7, "minute": 23, "second": 50}
